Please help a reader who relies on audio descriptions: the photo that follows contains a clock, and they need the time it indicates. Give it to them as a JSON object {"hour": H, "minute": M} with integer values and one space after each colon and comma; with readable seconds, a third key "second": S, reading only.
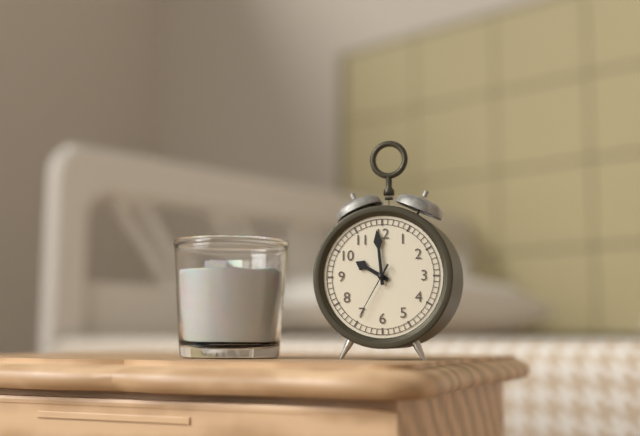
{"hour": 9, "minute": 59, "second": 35}
